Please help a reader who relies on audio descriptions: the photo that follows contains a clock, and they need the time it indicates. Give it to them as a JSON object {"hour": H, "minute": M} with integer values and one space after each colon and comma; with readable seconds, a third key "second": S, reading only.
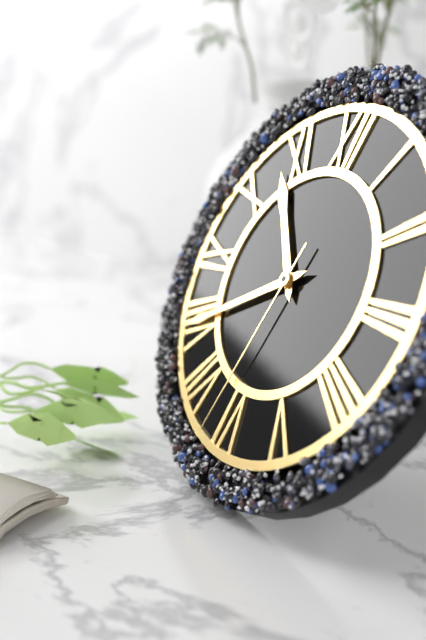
{"hour": 10, "minute": 40, "second": 32}
